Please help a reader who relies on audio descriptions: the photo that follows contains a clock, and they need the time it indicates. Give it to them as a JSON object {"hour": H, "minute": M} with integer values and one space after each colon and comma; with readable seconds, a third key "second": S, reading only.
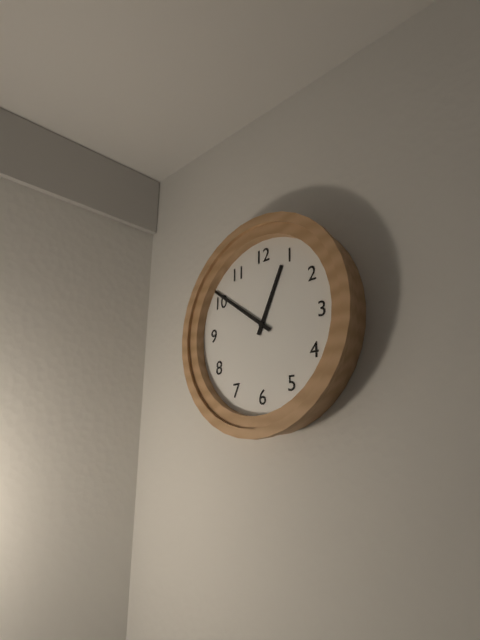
{"hour": 12, "minute": 51}
